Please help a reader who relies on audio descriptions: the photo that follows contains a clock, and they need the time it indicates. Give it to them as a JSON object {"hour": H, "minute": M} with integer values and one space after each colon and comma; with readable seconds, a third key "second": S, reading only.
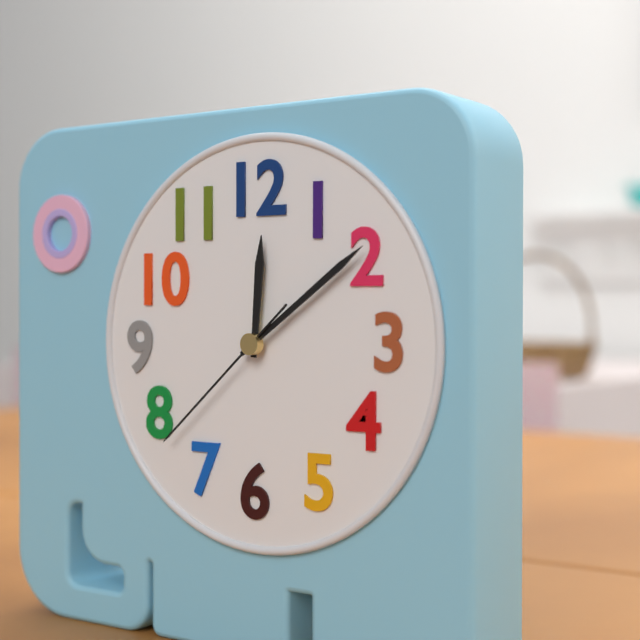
{"hour": 12, "minute": 9, "second": 38}
